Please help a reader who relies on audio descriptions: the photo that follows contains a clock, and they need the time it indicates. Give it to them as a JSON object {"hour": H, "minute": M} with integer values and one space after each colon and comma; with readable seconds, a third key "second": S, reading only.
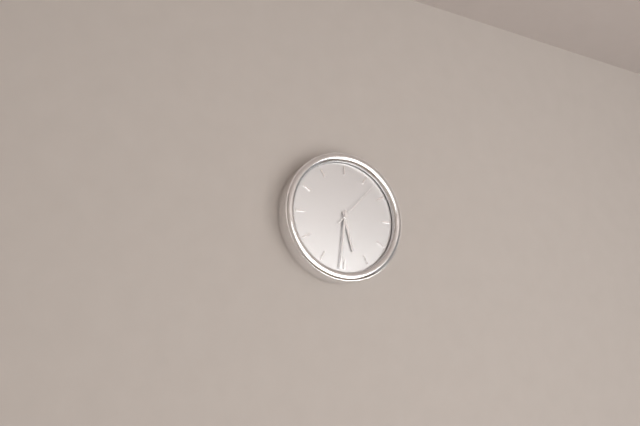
{"hour": 5, "minute": 31, "second": 7}
